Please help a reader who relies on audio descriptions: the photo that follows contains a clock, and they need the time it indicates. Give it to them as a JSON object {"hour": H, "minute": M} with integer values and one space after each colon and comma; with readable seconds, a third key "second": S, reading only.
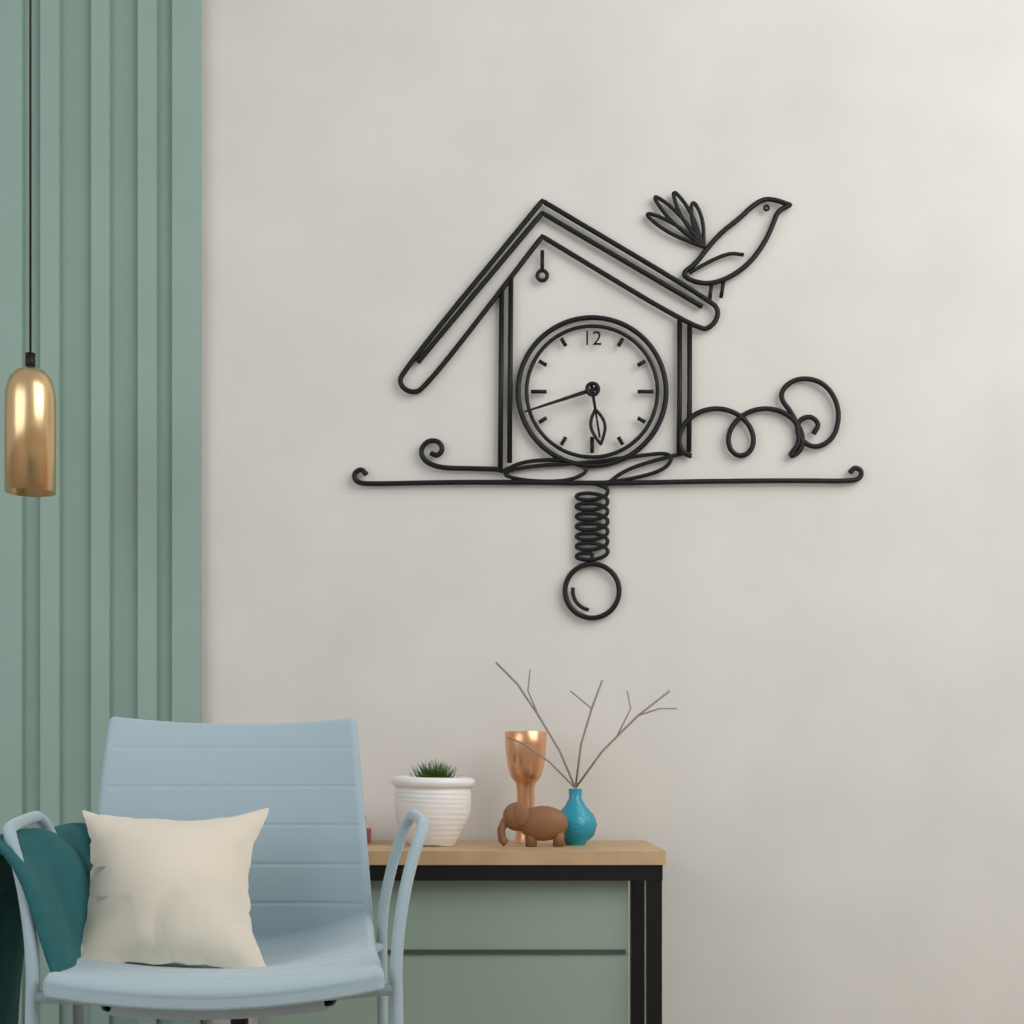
{"hour": 5, "minute": 42}
